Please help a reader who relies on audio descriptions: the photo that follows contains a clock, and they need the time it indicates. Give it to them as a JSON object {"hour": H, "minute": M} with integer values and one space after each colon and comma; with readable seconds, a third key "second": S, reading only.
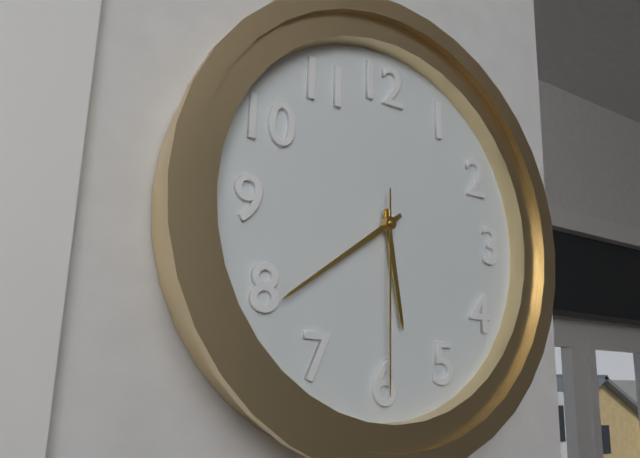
{"hour": 5, "minute": 39, "second": 30}
